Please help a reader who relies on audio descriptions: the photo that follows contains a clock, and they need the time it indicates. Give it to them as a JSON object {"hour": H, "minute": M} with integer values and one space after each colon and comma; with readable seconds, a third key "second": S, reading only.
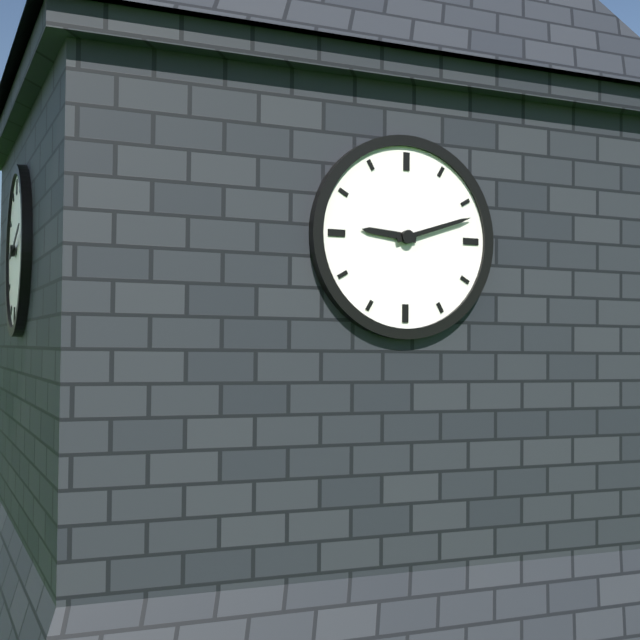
{"hour": 9, "minute": 12}
